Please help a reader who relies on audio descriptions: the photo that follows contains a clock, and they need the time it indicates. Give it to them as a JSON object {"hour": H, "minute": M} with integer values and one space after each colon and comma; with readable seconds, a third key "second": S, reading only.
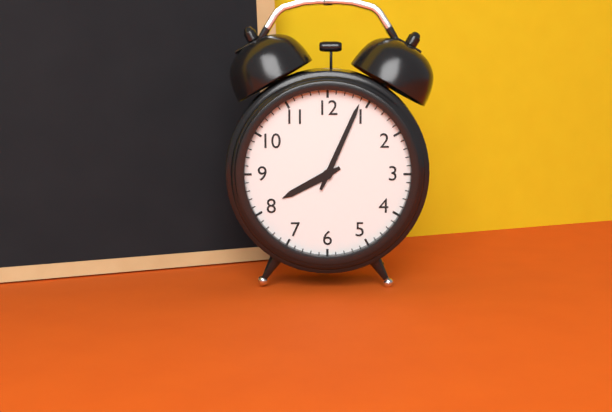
{"hour": 8, "minute": 4}
